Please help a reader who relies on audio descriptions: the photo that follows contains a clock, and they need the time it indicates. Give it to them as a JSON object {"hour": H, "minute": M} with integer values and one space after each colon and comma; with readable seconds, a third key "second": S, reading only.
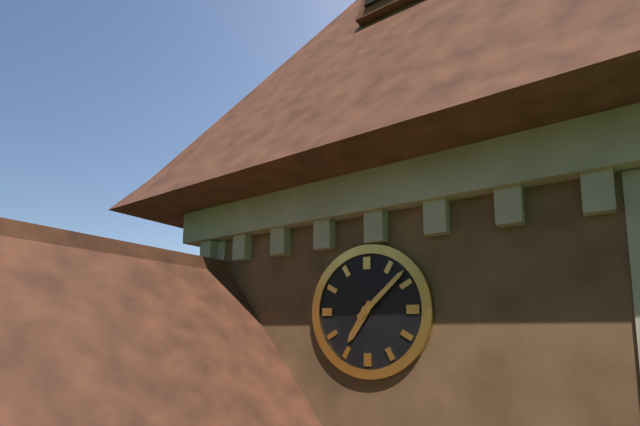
{"hour": 7, "minute": 8}
